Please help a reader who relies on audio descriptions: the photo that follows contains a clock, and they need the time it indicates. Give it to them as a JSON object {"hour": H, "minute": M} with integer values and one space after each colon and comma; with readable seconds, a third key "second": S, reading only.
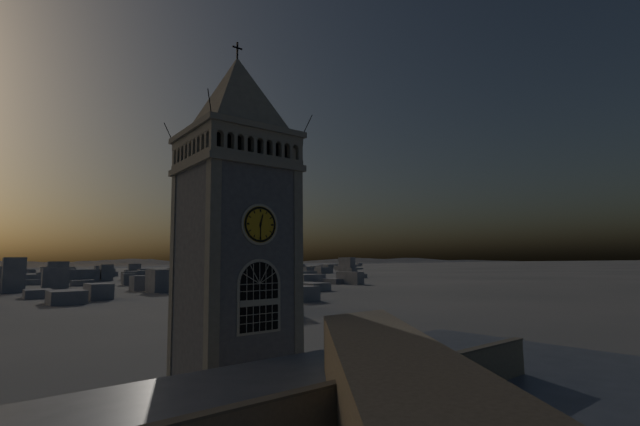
{"hour": 12, "minute": 30}
